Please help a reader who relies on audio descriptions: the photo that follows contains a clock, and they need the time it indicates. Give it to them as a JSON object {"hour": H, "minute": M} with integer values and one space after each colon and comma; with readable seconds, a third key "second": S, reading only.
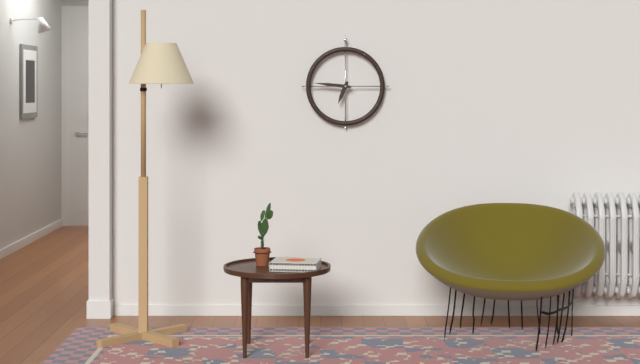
{"hour": 6, "minute": 46}
